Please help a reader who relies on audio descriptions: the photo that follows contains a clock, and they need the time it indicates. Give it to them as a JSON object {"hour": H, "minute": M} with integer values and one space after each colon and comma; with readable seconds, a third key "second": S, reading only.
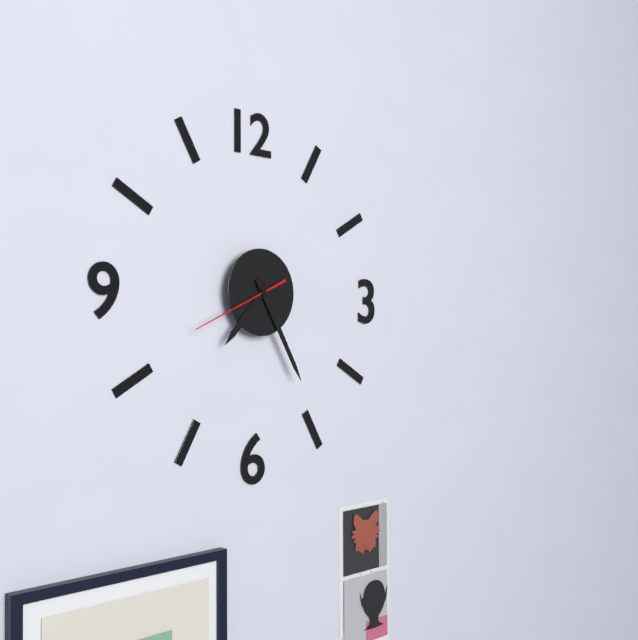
{"hour": 7, "minute": 25, "second": 41}
